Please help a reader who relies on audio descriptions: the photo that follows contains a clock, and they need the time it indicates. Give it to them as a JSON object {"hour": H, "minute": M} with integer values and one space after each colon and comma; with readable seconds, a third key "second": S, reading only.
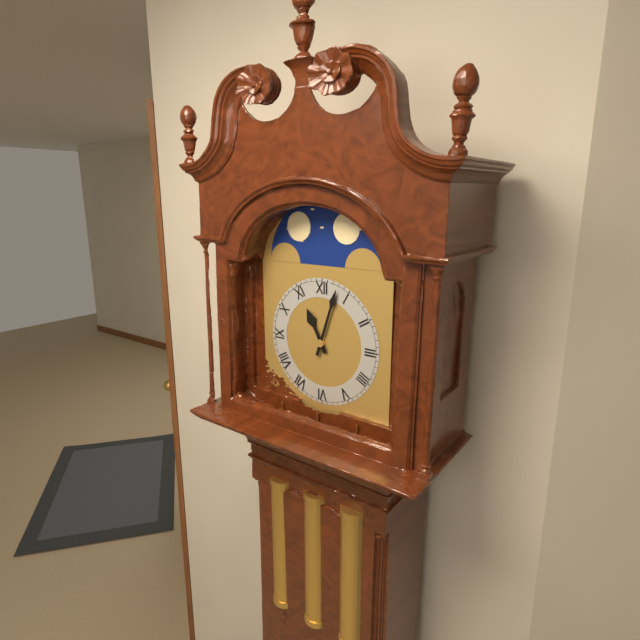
{"hour": 11, "minute": 3}
